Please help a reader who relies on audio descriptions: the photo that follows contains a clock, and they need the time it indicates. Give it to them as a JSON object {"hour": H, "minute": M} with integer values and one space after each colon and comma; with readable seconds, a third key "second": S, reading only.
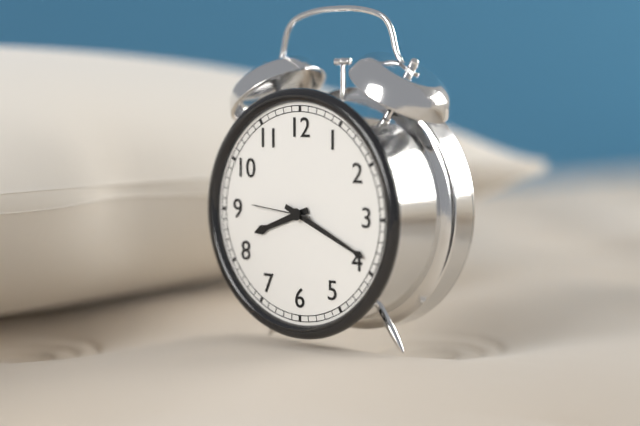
{"hour": 8, "minute": 19, "second": 46}
